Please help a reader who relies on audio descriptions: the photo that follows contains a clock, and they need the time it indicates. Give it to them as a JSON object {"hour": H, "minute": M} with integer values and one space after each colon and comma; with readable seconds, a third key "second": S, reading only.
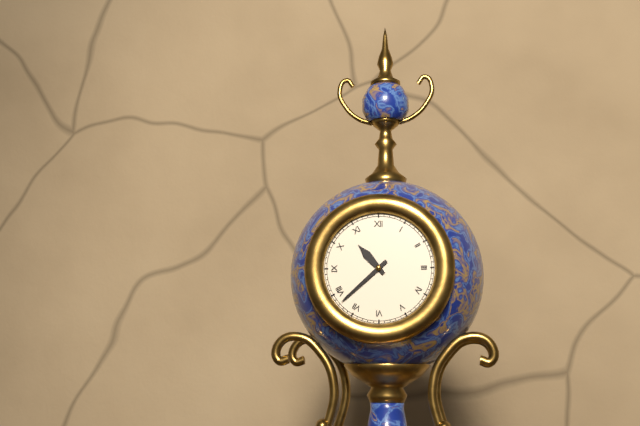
{"hour": 10, "minute": 38}
